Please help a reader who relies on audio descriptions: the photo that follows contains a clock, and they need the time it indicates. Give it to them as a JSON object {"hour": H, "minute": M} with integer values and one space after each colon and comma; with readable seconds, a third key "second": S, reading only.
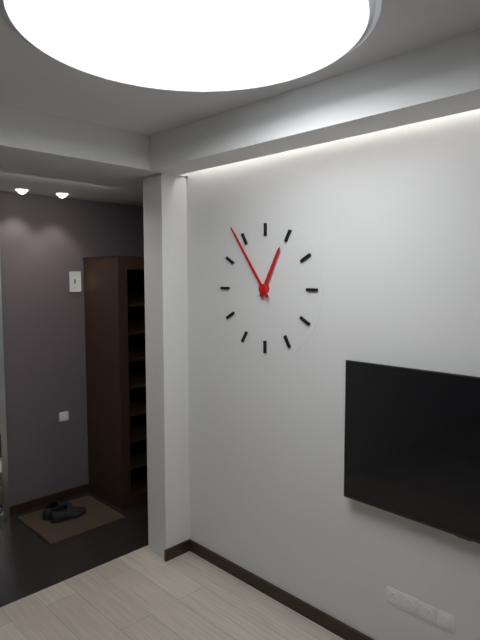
{"hour": 12, "minute": 54}
